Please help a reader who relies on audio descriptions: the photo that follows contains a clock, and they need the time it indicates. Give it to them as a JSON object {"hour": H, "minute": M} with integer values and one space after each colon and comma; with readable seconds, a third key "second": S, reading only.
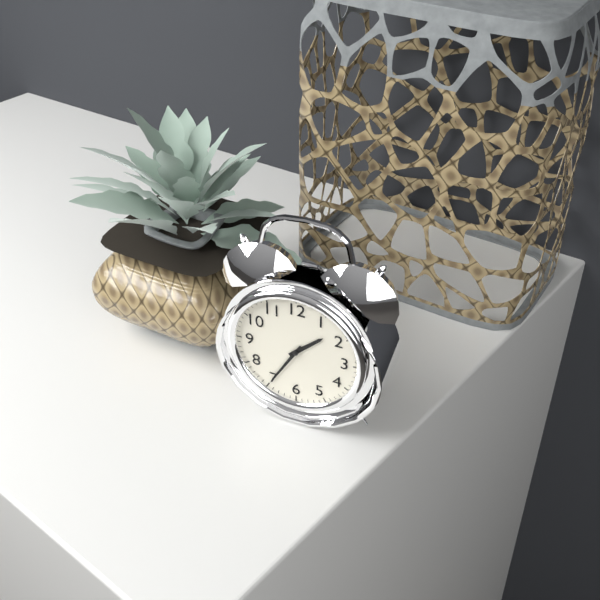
{"hour": 1, "minute": 35}
